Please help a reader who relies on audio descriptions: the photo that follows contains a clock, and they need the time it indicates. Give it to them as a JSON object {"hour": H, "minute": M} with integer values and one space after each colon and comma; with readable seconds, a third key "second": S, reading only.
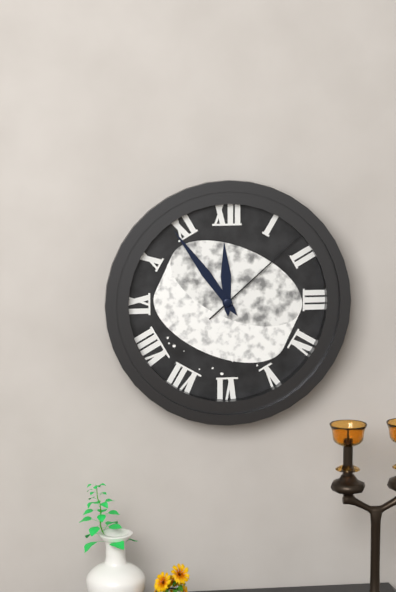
{"hour": 11, "minute": 54, "second": 8}
